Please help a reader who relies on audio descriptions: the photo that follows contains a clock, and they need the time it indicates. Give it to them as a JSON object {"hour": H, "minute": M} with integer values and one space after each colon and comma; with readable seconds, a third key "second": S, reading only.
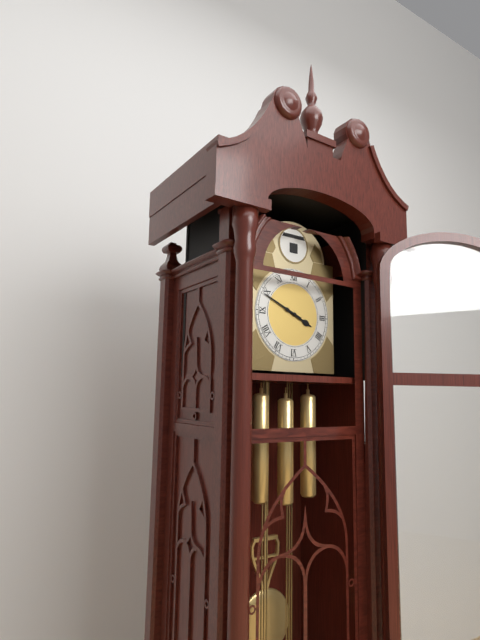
{"hour": 3, "minute": 49}
